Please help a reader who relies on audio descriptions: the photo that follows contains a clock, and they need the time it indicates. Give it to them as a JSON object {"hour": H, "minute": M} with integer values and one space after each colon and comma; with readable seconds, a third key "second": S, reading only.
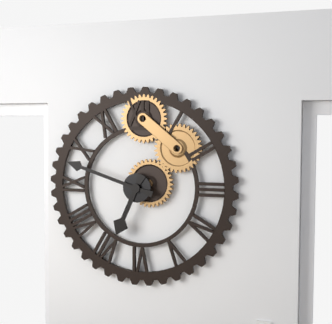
{"hour": 6, "minute": 48}
